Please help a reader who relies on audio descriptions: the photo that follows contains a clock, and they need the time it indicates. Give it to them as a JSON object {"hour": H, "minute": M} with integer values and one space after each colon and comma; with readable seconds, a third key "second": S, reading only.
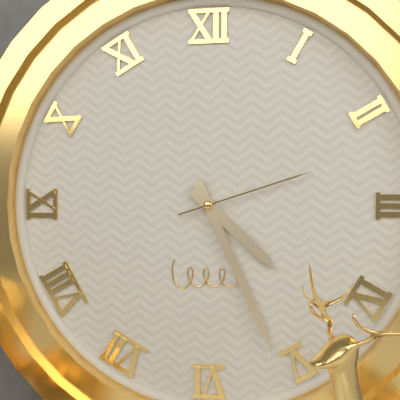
{"hour": 4, "minute": 26, "second": 12}
